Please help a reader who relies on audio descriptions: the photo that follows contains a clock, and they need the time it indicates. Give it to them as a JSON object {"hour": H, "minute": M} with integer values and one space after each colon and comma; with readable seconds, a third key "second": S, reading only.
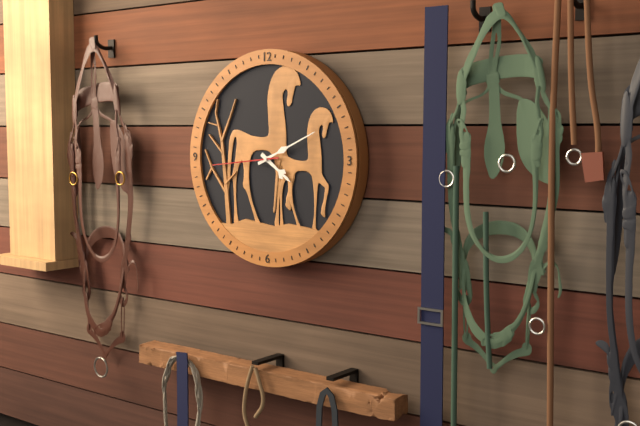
{"hour": 4, "minute": 11, "second": 44}
